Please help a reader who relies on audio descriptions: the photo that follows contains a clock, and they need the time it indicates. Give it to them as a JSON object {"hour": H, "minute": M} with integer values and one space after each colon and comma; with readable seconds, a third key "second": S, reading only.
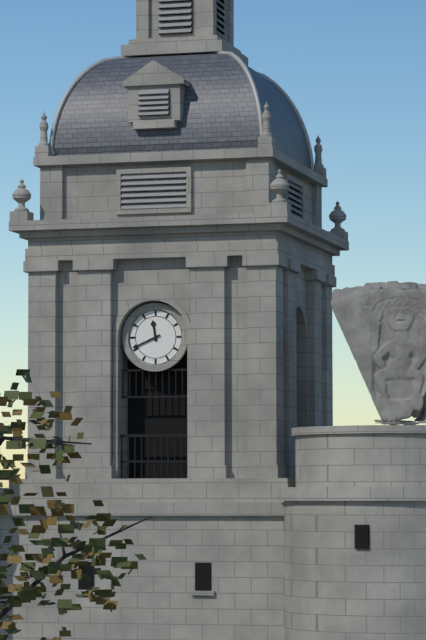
{"hour": 11, "minute": 41}
